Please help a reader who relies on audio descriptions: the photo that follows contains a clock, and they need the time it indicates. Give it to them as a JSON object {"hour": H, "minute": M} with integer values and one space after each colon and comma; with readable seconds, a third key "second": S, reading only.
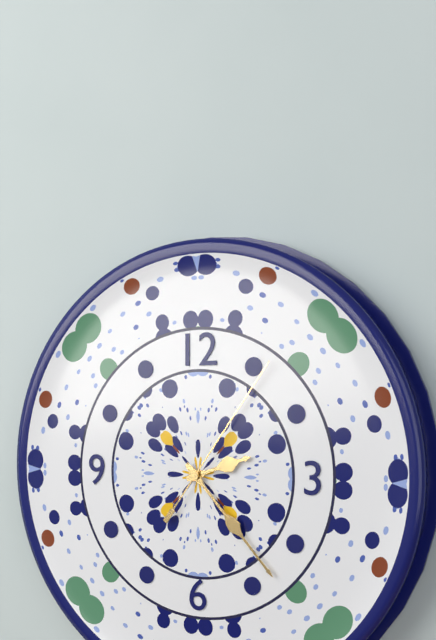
{"hour": 2, "minute": 23, "second": 6}
